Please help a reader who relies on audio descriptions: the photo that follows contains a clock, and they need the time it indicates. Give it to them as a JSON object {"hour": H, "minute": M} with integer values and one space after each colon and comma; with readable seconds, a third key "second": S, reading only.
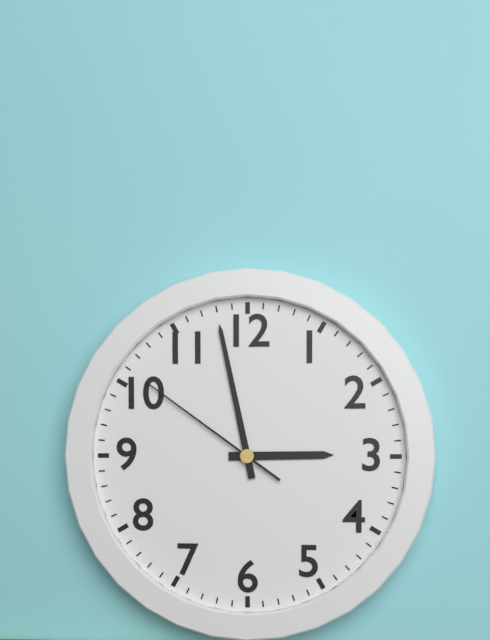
{"hour": 2, "minute": 58, "second": 51}
